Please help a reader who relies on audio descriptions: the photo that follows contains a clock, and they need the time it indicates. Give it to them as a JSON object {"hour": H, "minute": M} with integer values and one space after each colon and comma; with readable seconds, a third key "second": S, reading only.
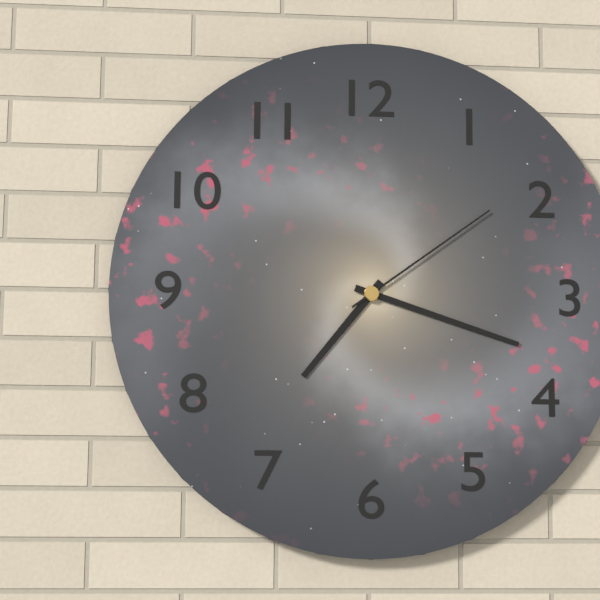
{"hour": 7, "minute": 18, "second": 9}
